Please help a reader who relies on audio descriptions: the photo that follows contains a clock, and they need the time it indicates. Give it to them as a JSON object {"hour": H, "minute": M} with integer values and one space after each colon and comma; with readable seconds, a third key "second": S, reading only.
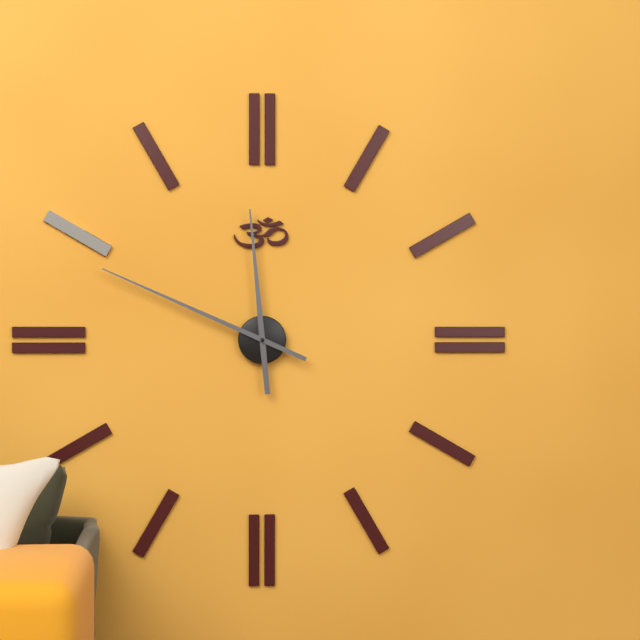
{"hour": 11, "minute": 49}
